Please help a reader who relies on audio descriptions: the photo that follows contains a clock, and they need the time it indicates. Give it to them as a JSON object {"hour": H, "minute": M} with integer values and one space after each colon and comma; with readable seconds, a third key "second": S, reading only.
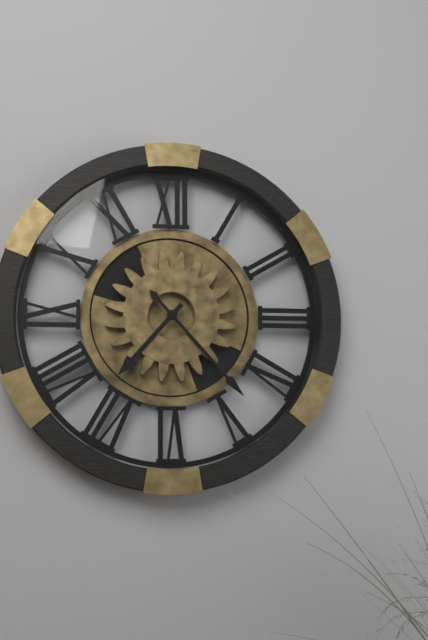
{"hour": 7, "minute": 23}
